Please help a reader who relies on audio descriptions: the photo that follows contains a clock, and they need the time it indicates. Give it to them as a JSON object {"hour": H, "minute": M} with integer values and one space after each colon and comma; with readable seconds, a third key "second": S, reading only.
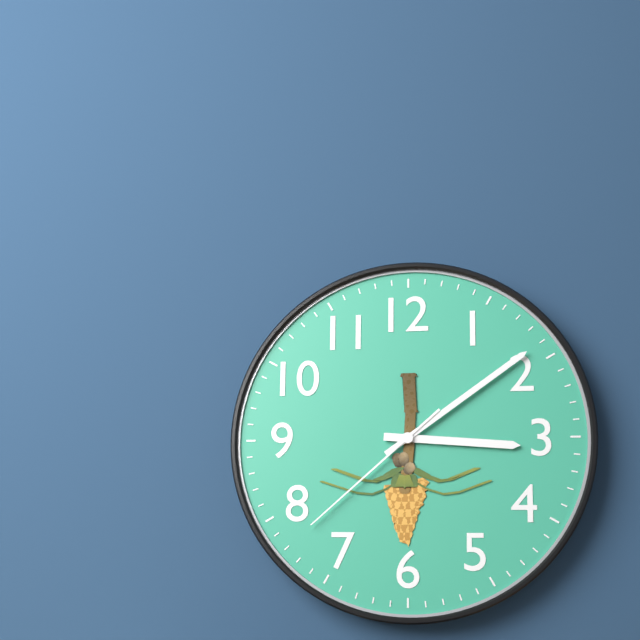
{"hour": 3, "minute": 9, "second": 38}
